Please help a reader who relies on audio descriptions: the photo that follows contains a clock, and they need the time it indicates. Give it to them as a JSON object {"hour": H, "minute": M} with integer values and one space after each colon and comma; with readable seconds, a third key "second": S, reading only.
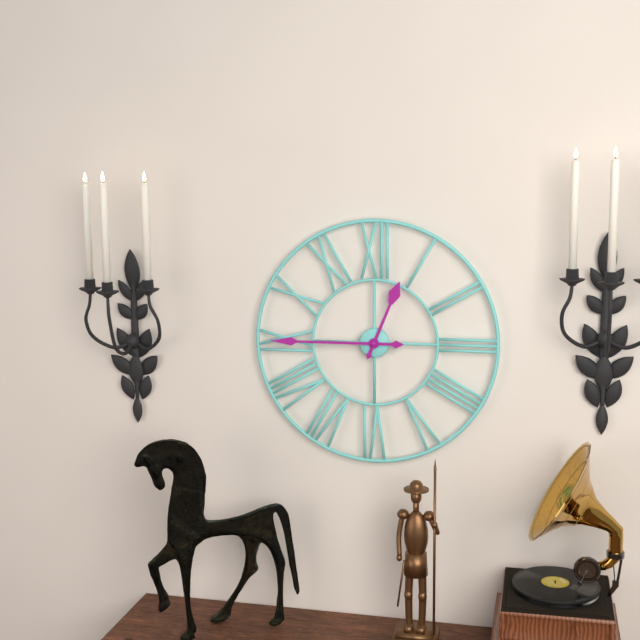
{"hour": 12, "minute": 45}
